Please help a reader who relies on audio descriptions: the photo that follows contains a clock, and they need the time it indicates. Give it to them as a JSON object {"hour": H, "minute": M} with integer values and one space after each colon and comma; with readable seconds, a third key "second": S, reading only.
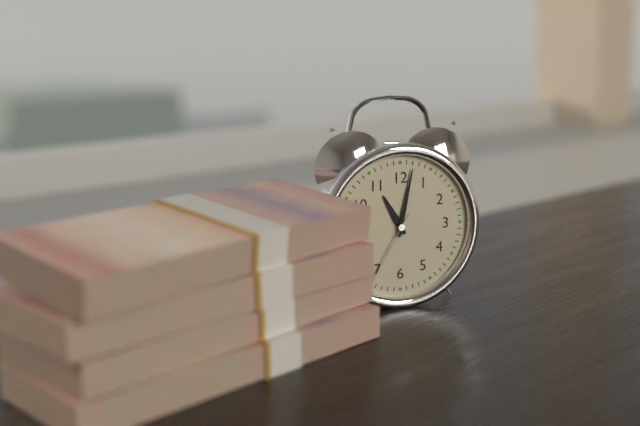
{"hour": 11, "minute": 2, "second": 35}
